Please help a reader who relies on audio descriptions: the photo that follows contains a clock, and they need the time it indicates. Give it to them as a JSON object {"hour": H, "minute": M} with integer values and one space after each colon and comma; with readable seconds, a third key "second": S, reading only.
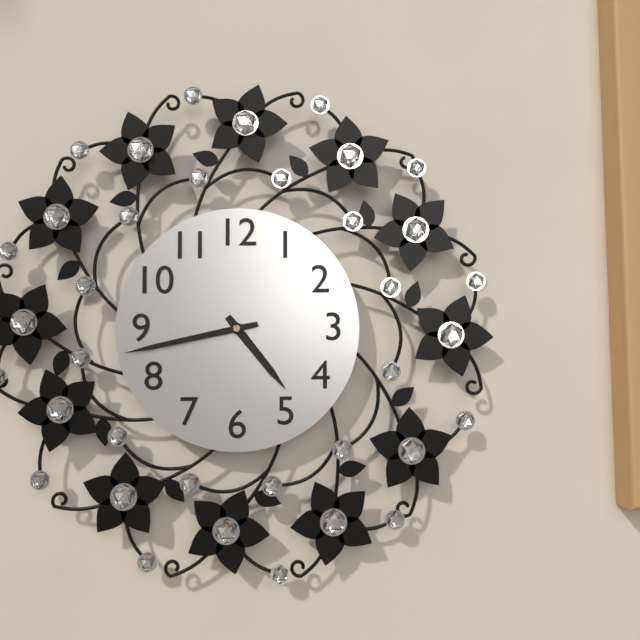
{"hour": 4, "minute": 43}
